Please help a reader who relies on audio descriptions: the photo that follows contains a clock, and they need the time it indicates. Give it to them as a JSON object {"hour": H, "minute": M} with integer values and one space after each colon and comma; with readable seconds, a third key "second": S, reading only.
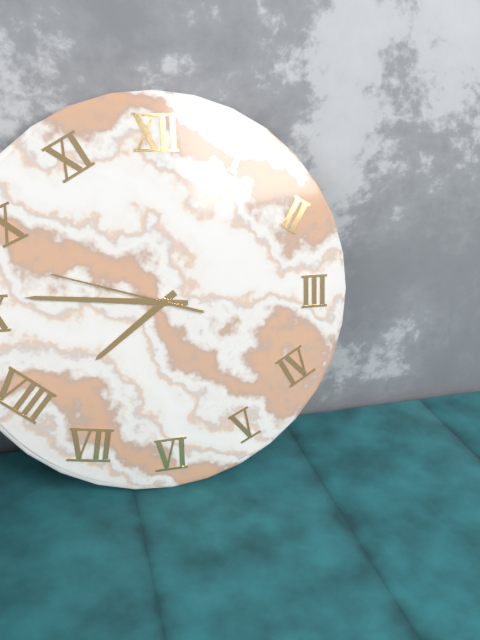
{"hour": 7, "minute": 46, "second": 48}
